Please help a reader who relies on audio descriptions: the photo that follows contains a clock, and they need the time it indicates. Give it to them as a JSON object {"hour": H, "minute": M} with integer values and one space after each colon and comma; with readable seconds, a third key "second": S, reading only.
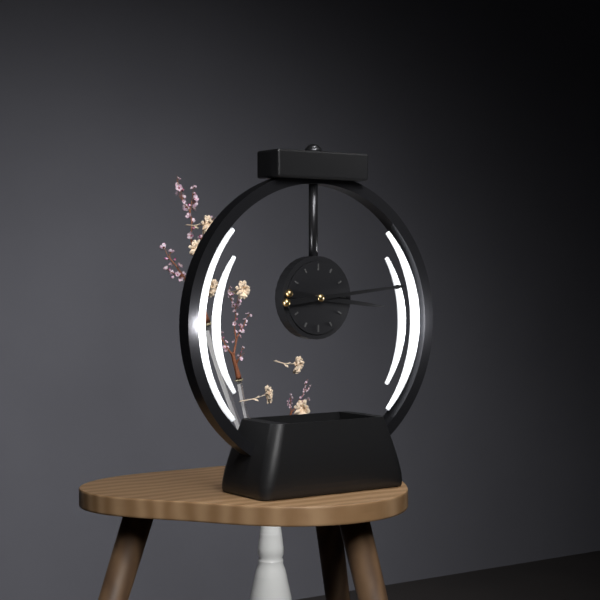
{"hour": 3, "minute": 14}
